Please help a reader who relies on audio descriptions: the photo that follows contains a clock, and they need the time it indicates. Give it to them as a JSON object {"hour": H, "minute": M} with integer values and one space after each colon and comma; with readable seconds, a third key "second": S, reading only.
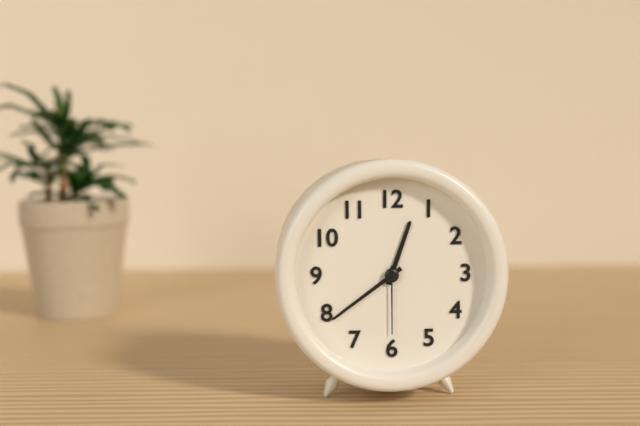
{"hour": 12, "minute": 39, "second": 30}
